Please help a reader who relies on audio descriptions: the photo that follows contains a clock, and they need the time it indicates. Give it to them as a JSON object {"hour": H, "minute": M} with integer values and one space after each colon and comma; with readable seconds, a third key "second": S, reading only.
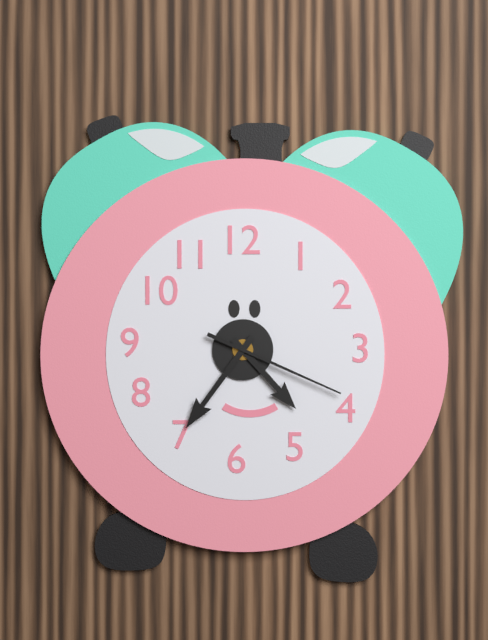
{"hour": 4, "minute": 36, "second": 19}
